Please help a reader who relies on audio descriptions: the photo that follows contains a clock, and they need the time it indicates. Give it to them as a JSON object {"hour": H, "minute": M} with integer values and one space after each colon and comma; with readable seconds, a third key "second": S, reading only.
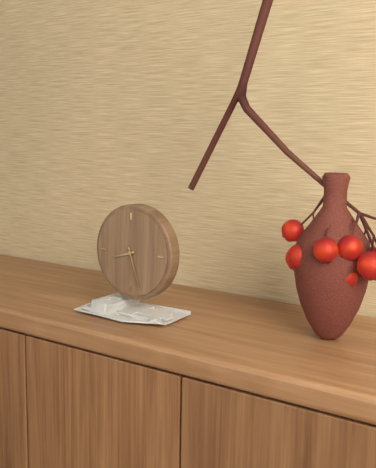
{"hour": 8, "minute": 27}
